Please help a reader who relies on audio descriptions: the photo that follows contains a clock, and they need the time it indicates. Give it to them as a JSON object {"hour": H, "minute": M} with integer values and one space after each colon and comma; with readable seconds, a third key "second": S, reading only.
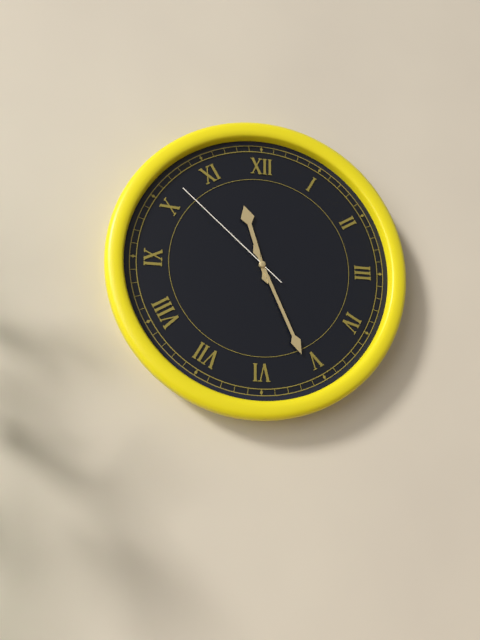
{"hour": 11, "minute": 26, "second": 52}
